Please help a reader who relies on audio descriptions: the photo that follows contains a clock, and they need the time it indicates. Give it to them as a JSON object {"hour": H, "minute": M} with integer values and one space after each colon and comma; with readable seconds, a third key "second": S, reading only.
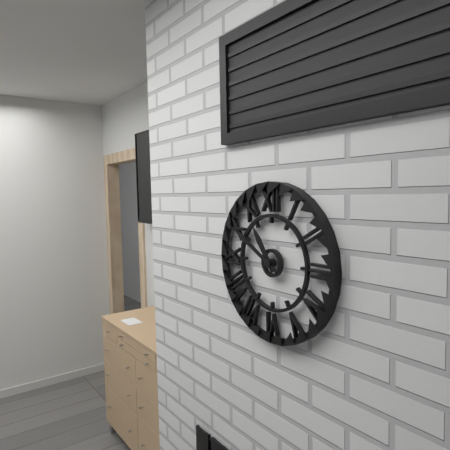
{"hour": 10, "minute": 50}
